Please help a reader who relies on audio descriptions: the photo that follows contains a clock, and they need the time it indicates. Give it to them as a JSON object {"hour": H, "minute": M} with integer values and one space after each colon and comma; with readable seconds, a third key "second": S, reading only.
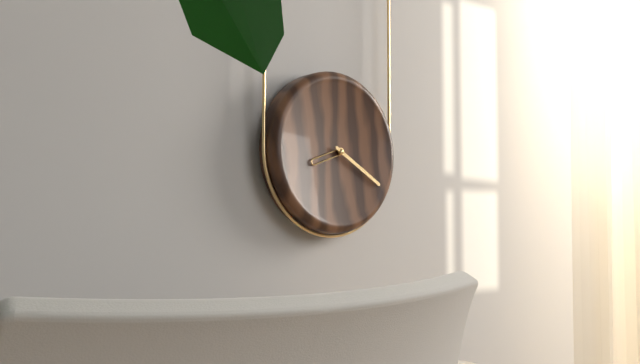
{"hour": 8, "minute": 20}
